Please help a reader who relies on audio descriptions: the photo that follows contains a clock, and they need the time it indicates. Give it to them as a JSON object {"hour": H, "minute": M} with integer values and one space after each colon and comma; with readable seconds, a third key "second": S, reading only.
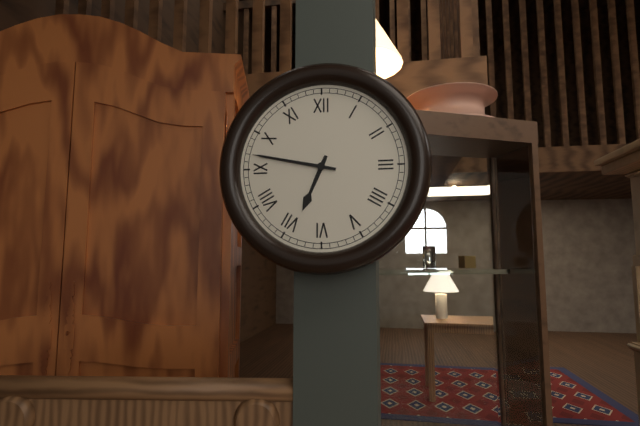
{"hour": 6, "minute": 47}
